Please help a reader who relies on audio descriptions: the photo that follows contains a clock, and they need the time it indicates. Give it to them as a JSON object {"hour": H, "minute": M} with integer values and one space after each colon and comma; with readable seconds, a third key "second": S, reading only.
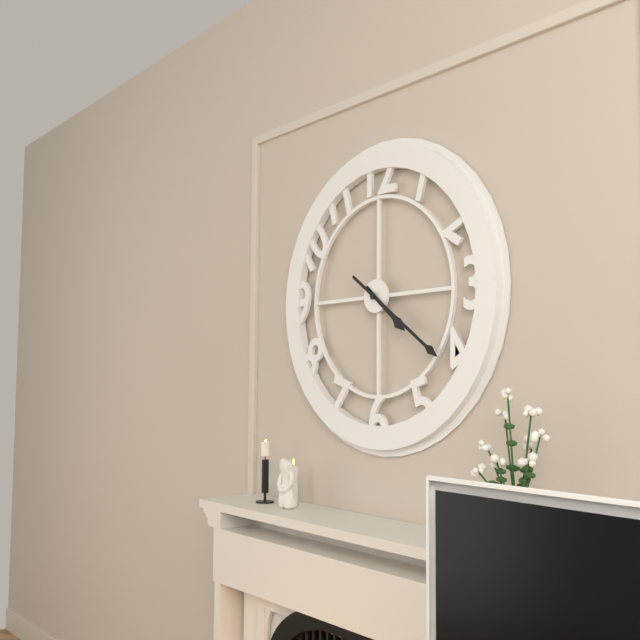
{"hour": 4, "minute": 21}
